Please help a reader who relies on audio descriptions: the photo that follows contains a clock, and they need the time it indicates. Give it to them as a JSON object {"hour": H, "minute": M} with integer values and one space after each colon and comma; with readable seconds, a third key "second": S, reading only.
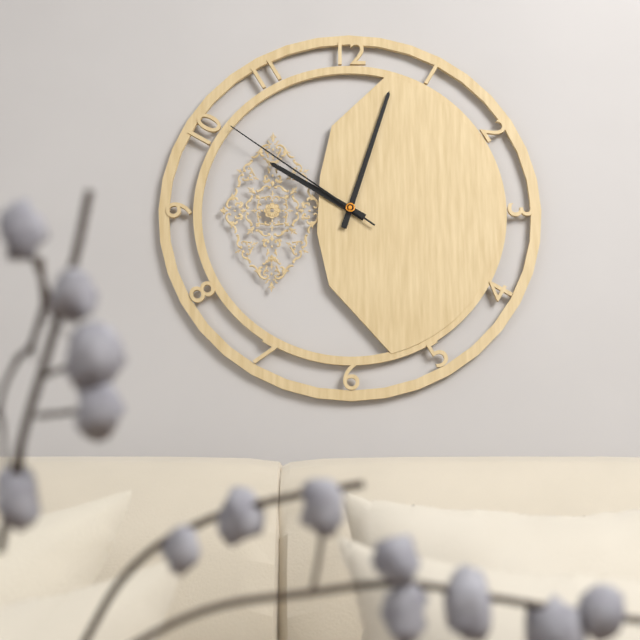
{"hour": 10, "minute": 3, "second": 51}
